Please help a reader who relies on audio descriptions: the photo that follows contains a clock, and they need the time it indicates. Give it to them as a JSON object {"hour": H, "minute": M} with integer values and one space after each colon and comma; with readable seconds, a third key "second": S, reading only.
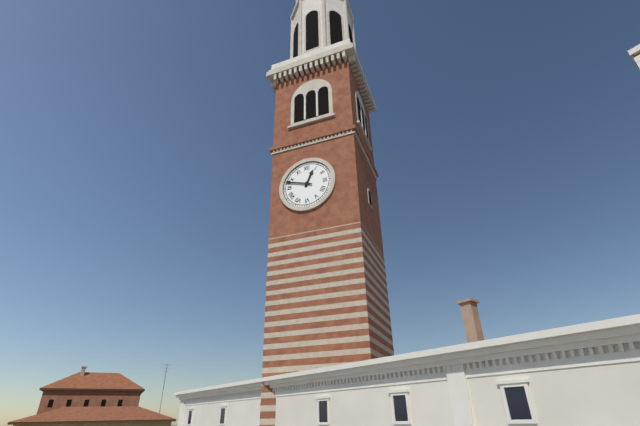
{"hour": 12, "minute": 48}
